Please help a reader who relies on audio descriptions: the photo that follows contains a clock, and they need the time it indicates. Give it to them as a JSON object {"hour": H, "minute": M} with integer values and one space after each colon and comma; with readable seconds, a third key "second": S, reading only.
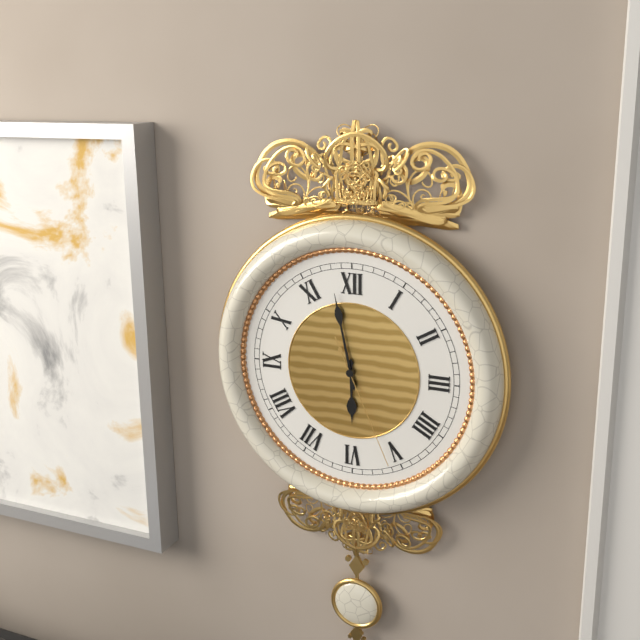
{"hour": 5, "minute": 58, "second": 26}
